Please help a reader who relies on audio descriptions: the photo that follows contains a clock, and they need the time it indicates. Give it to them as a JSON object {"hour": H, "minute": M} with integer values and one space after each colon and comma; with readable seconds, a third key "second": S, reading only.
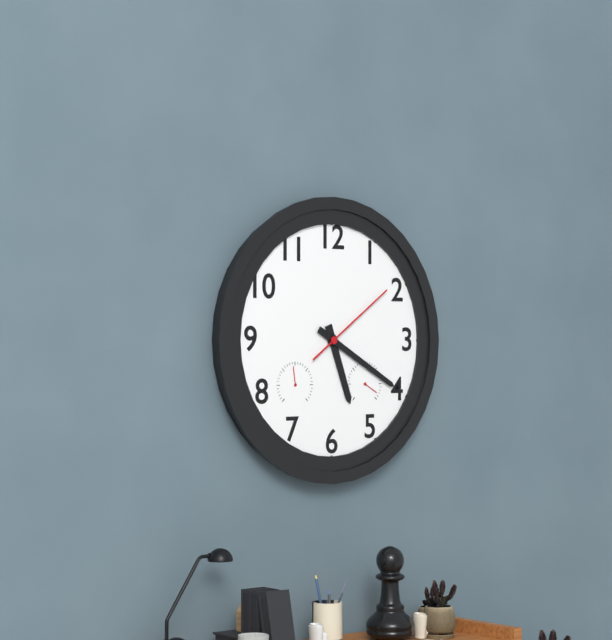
{"hour": 5, "minute": 20, "second": 9}
